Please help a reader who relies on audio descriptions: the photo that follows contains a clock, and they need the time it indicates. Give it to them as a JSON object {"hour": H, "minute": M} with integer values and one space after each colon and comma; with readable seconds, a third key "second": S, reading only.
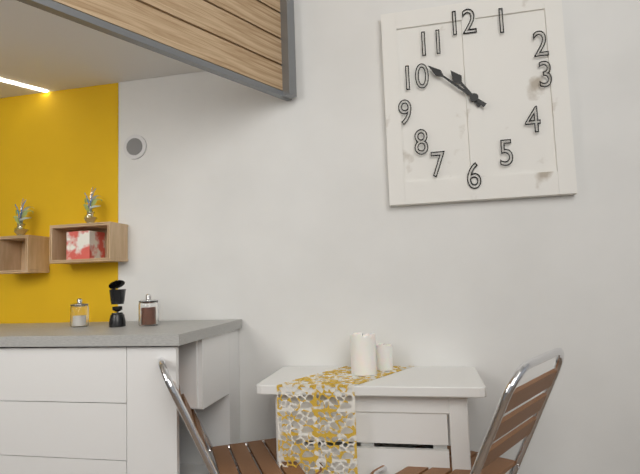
{"hour": 10, "minute": 52}
